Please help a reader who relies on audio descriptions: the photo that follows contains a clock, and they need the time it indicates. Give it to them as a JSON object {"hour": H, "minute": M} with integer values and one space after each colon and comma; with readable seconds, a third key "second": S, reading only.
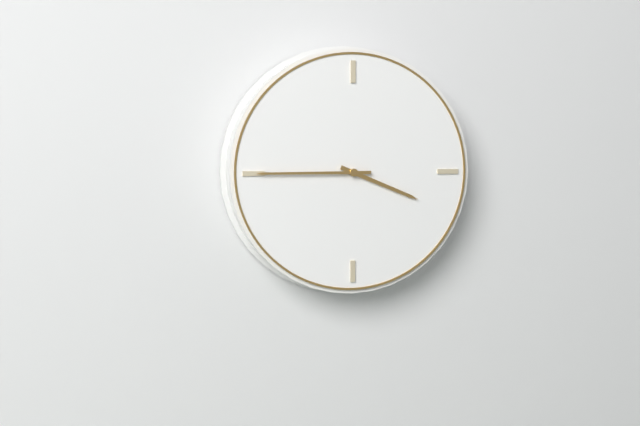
{"hour": 3, "minute": 45}
